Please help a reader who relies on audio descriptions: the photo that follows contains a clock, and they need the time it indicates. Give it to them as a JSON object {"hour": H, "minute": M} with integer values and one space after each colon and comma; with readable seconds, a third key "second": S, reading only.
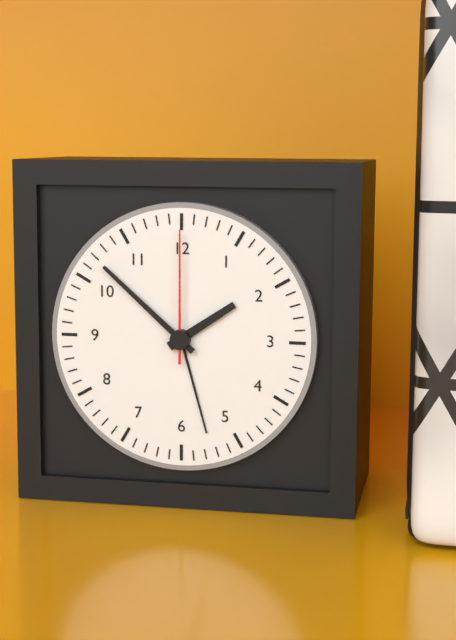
{"hour": 1, "minute": 52, "second": 0}
